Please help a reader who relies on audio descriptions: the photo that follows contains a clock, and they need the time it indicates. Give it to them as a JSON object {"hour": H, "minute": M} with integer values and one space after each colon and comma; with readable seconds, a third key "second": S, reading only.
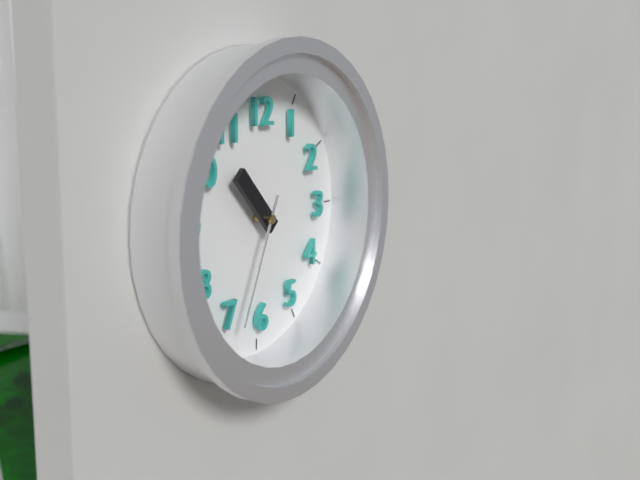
{"hour": 10, "minute": 34}
